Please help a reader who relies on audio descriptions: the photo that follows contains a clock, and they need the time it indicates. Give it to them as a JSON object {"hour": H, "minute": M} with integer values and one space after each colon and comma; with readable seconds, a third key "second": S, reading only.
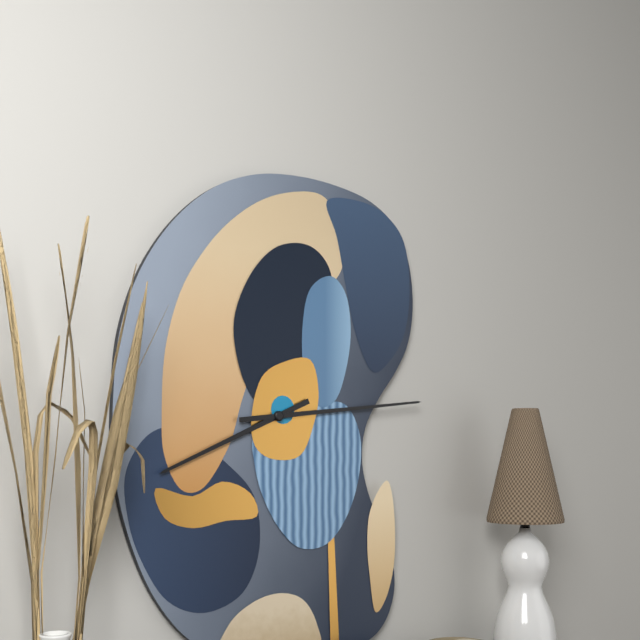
{"hour": 8, "minute": 14}
